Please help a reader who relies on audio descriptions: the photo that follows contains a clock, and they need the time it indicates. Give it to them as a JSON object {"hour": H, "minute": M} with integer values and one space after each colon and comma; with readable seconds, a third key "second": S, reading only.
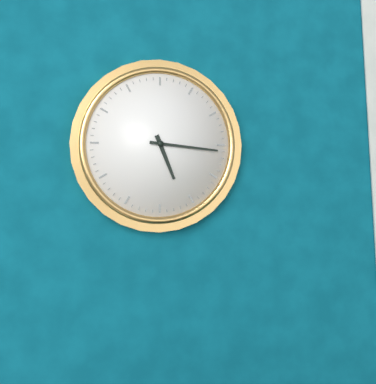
{"hour": 5, "minute": 16}
